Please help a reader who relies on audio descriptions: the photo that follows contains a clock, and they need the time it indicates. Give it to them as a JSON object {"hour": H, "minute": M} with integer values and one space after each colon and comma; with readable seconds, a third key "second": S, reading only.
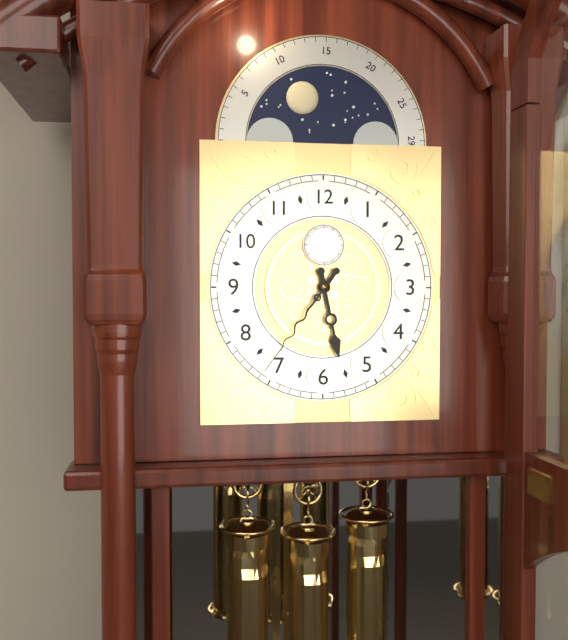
{"hour": 5, "minute": 36}
